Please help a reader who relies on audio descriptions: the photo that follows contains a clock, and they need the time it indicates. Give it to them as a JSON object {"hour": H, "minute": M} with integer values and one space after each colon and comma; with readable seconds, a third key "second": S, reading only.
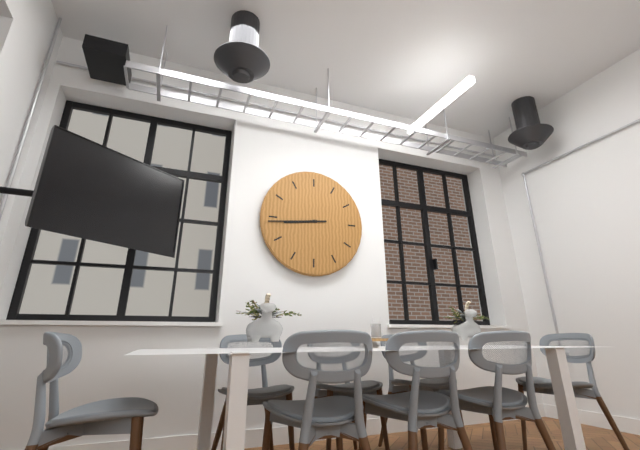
{"hour": 8, "minute": 44}
